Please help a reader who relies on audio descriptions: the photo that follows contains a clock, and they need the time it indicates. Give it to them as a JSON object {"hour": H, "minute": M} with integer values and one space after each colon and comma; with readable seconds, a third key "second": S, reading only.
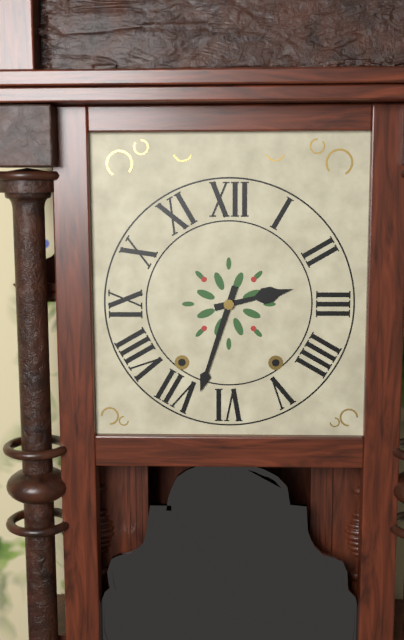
{"hour": 2, "minute": 33}
